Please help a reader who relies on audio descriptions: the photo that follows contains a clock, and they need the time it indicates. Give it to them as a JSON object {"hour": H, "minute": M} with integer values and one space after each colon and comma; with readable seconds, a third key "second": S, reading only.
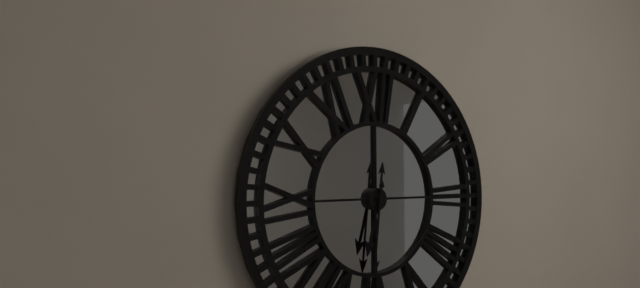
{"hour": 6, "minute": 31}
